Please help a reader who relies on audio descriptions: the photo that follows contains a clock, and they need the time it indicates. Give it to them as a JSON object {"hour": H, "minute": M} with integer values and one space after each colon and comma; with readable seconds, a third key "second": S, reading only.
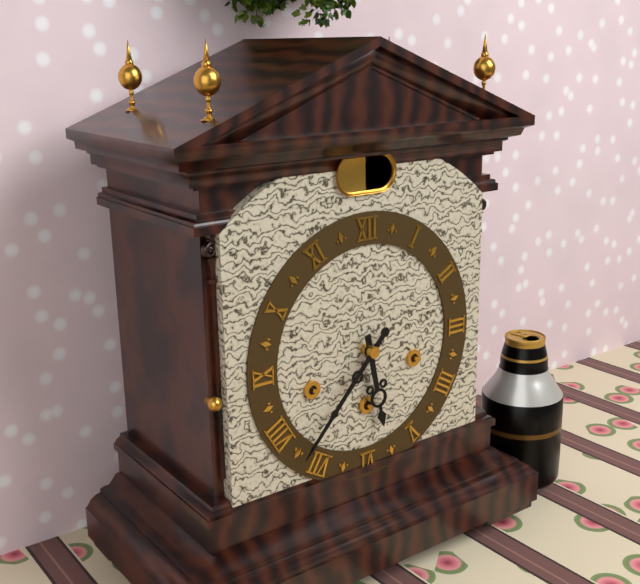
{"hour": 5, "minute": 37}
